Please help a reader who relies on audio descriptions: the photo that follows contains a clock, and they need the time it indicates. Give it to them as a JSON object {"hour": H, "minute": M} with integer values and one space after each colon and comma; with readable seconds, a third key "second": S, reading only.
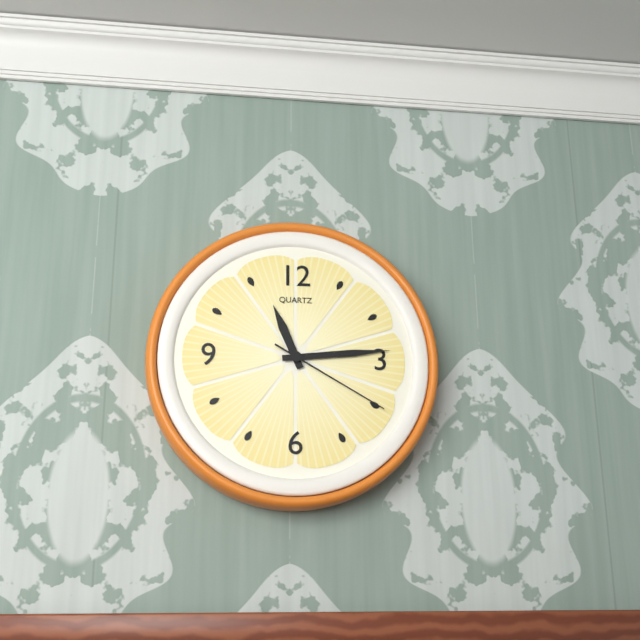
{"hour": 11, "minute": 14, "second": 20}
